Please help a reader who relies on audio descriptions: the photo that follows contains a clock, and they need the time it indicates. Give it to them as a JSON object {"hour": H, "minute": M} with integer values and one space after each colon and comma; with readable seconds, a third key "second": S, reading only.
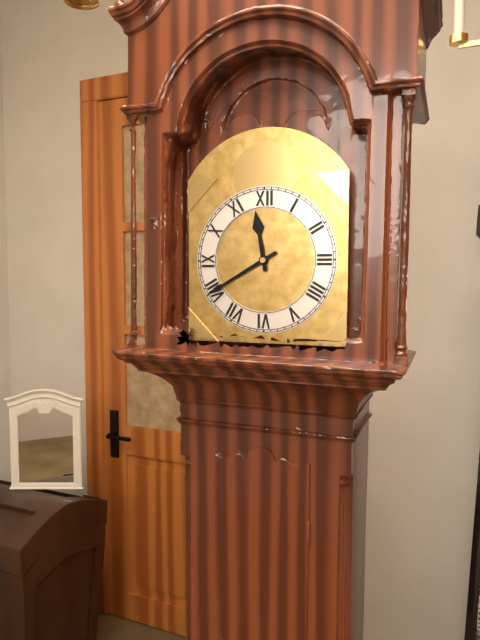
{"hour": 11, "minute": 40}
